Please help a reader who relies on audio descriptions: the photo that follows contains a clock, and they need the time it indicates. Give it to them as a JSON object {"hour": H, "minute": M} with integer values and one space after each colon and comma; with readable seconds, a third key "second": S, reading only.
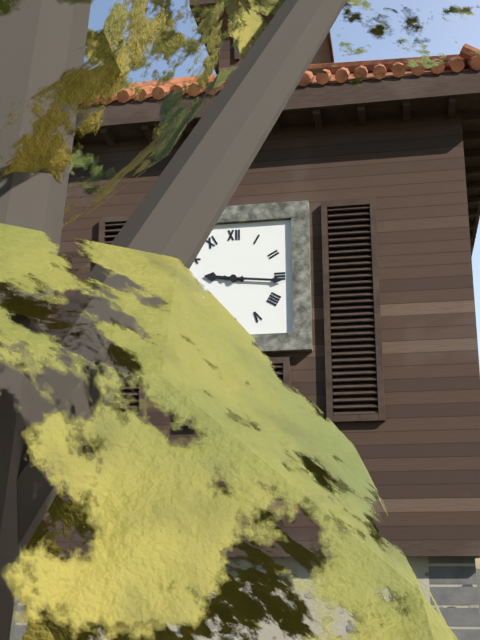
{"hour": 9, "minute": 16}
